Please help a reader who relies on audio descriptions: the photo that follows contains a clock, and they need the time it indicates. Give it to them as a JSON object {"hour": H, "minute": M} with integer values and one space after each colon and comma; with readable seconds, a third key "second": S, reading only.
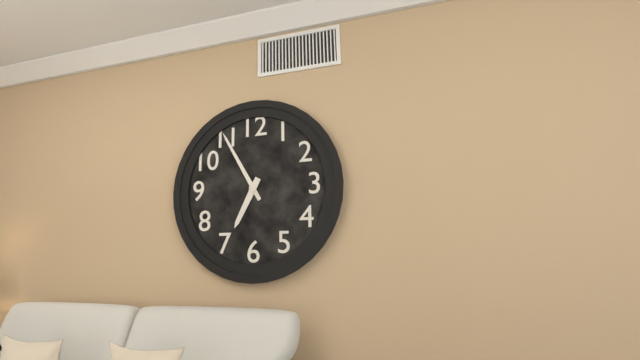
{"hour": 6, "minute": 55}
